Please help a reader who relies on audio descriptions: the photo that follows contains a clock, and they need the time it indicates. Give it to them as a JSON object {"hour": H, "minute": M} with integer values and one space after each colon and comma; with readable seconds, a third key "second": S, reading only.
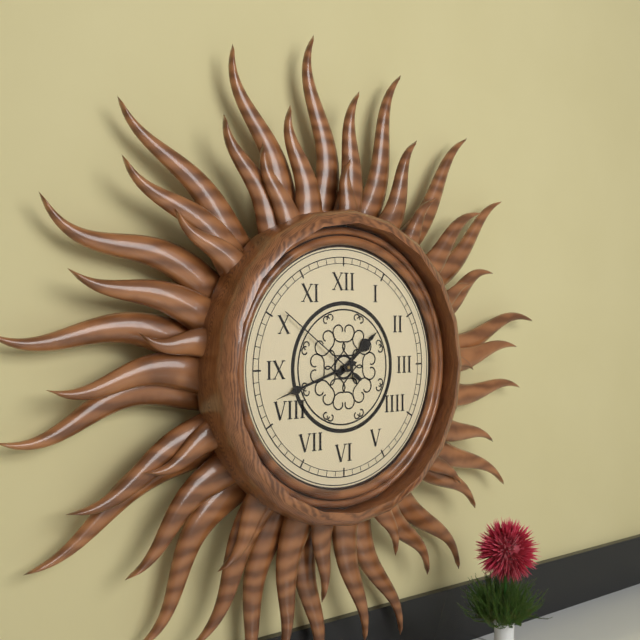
{"hour": 1, "minute": 42, "second": 51}
